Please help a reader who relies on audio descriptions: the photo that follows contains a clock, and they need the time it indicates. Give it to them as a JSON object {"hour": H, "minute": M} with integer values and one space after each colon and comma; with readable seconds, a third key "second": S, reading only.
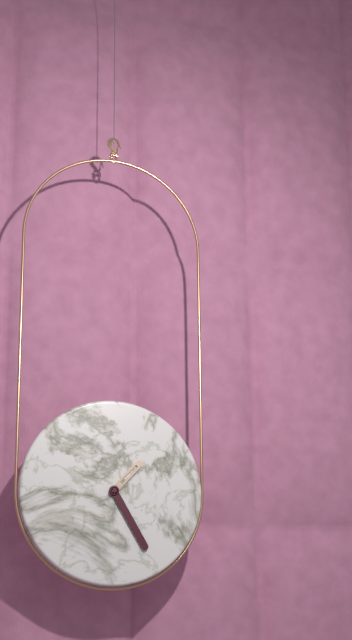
{"hour": 1, "minute": 25}
